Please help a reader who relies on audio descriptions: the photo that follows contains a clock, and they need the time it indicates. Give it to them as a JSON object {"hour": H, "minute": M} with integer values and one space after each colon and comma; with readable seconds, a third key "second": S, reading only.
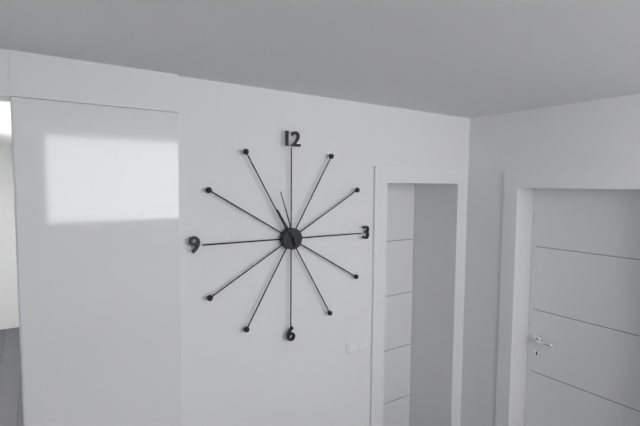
{"hour": 10, "minute": 57}
